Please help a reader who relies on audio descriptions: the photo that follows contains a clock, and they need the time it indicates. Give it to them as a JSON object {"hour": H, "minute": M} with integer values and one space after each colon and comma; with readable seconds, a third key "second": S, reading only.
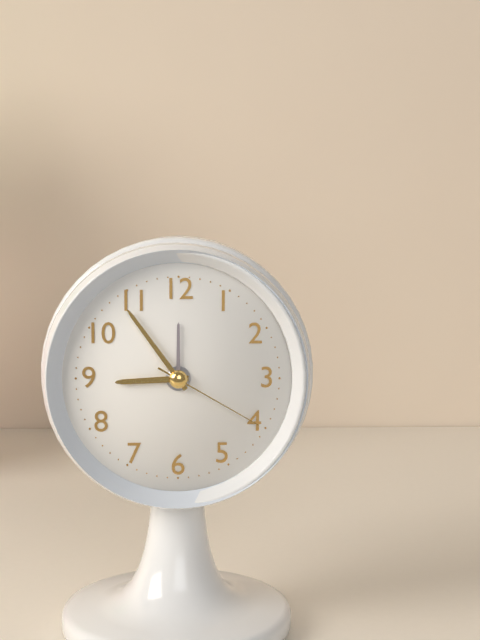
{"hour": 8, "minute": 54, "second": 20}
